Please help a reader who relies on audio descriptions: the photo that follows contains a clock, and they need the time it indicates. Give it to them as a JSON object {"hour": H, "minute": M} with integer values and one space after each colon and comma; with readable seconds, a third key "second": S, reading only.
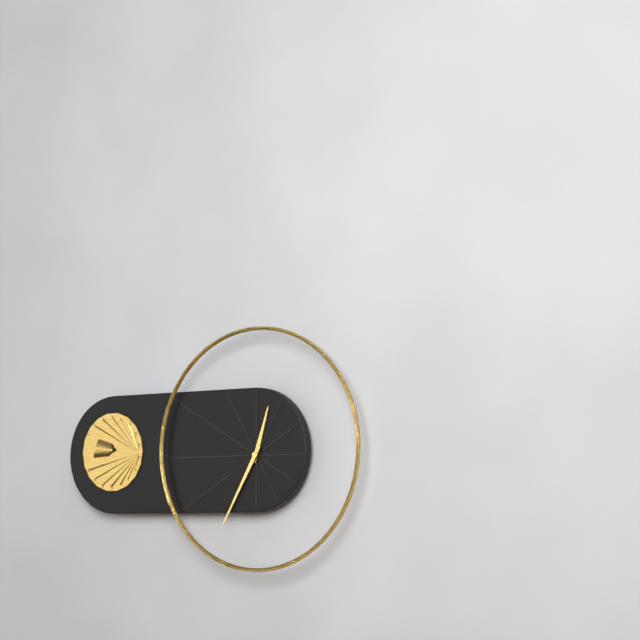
{"hour": 12, "minute": 35}
